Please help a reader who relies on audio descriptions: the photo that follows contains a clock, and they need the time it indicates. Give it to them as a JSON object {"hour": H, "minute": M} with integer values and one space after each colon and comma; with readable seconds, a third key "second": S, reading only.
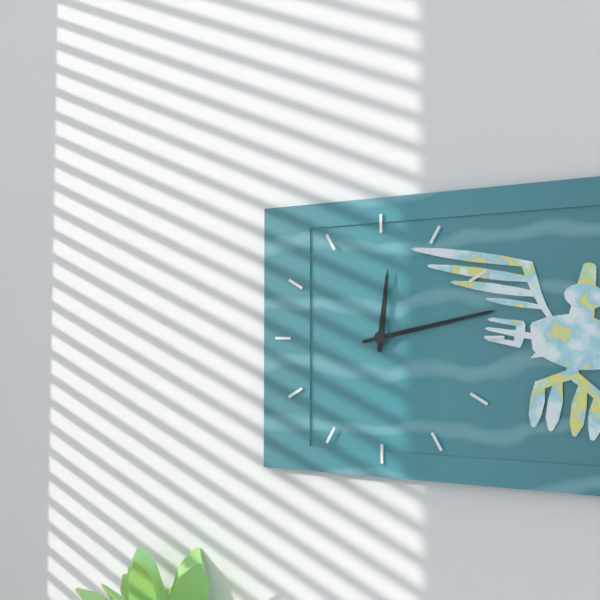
{"hour": 12, "minute": 13}
